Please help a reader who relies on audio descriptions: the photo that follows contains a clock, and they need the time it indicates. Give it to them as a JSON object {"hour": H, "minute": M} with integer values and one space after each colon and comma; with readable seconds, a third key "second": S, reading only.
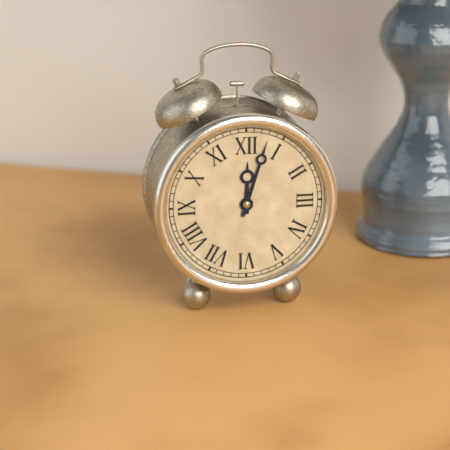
{"hour": 12, "minute": 3}
